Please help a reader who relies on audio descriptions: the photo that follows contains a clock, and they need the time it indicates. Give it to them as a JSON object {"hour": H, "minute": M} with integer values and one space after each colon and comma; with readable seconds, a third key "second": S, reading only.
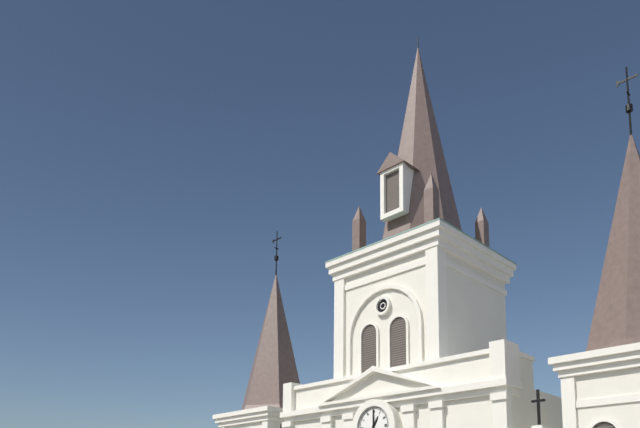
{"hour": 1, "minute": 0}
